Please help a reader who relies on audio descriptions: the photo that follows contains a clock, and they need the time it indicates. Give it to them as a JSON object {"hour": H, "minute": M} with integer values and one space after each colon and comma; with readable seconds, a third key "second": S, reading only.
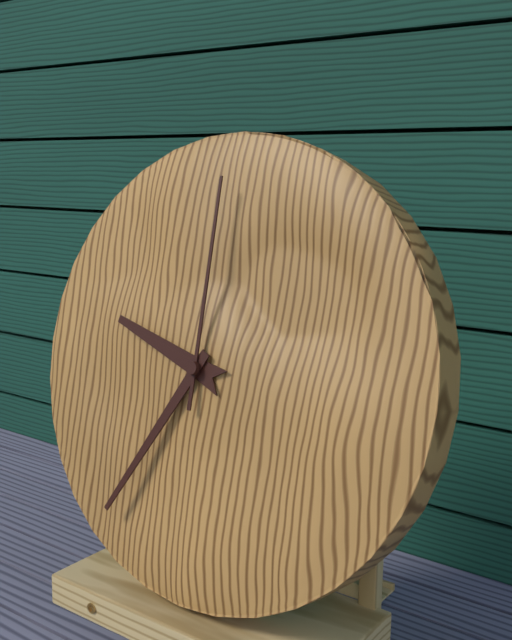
{"hour": 9, "minute": 35, "second": 0}
